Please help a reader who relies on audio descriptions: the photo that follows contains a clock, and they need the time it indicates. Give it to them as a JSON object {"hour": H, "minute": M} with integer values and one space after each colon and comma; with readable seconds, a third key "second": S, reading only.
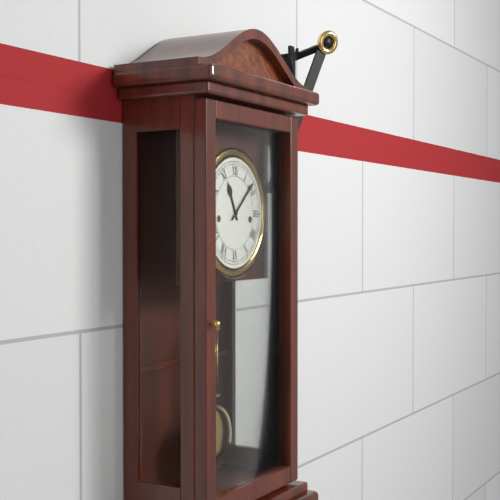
{"hour": 11, "minute": 8}
